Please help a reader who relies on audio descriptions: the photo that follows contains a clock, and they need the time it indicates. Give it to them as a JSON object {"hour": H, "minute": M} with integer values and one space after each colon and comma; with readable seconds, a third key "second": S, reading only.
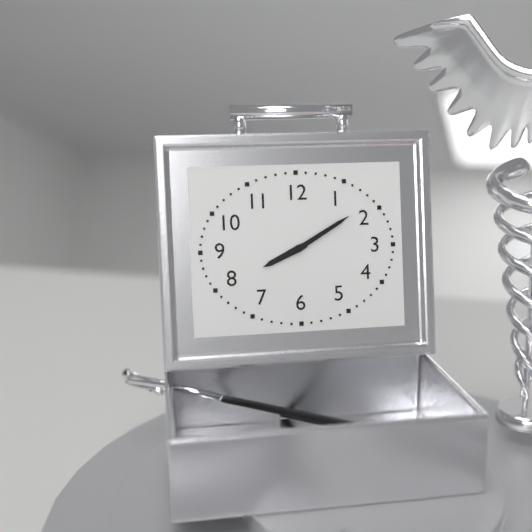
{"hour": 8, "minute": 10}
